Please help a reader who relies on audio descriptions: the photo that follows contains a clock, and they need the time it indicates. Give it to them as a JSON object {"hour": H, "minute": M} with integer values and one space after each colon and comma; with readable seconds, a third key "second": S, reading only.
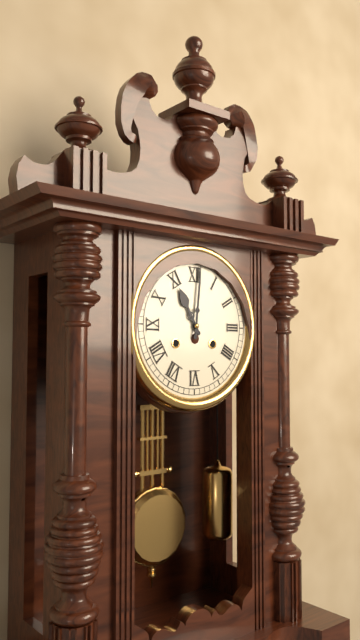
{"hour": 11, "minute": 1}
